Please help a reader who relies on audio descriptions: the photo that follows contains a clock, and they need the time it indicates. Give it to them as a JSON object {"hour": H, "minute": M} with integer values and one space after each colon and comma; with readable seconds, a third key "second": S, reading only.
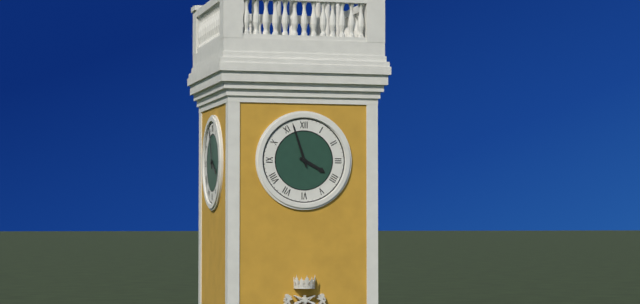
{"hour": 3, "minute": 57}
